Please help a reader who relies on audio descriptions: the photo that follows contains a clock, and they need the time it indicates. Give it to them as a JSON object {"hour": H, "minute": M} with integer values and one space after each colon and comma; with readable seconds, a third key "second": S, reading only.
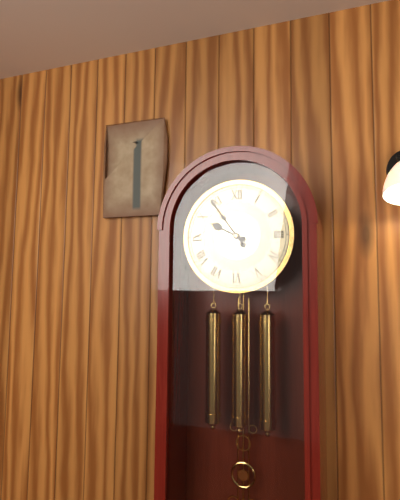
{"hour": 9, "minute": 54}
